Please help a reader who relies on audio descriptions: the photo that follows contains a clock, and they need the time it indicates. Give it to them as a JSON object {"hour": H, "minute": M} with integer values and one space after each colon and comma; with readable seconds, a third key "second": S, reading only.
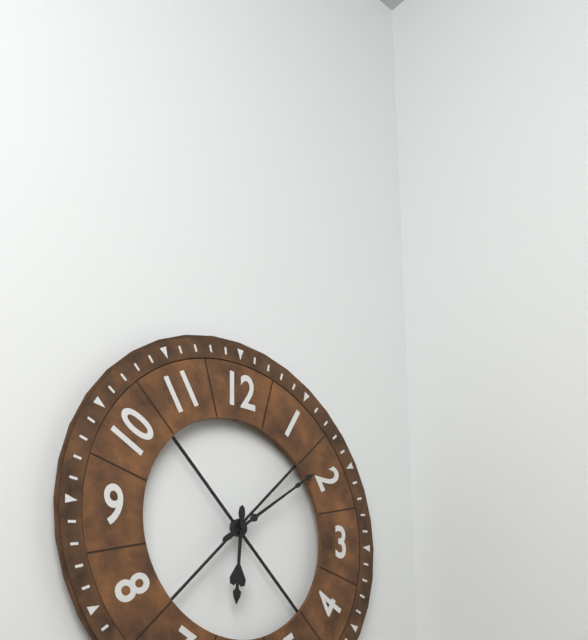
{"hour": 6, "minute": 9}
